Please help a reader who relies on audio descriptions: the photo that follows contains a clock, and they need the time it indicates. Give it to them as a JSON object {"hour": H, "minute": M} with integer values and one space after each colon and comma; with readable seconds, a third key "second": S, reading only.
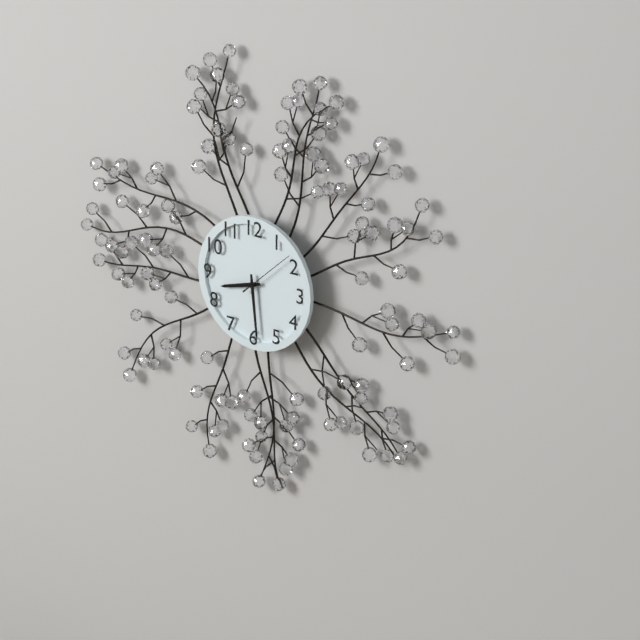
{"hour": 8, "minute": 29, "second": 8}
